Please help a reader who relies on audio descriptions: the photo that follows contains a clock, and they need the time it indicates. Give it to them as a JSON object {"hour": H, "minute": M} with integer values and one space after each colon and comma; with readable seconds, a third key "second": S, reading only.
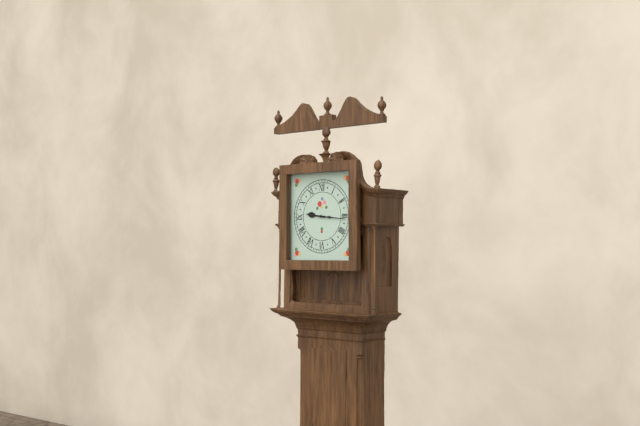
{"hour": 9, "minute": 16}
